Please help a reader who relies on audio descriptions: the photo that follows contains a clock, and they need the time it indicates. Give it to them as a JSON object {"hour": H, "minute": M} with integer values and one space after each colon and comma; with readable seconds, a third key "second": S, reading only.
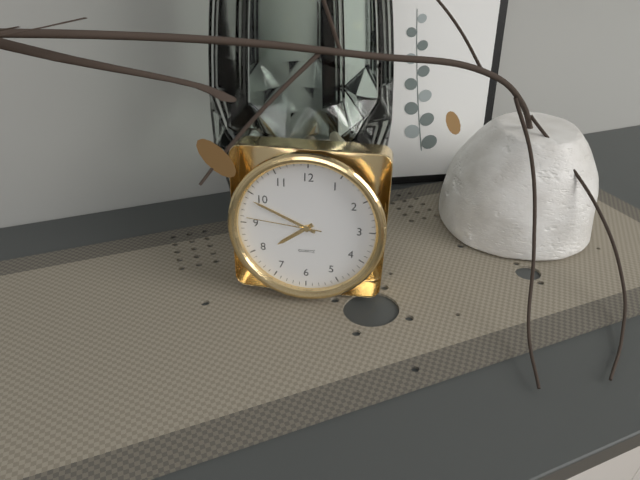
{"hour": 7, "minute": 49, "second": 46}
